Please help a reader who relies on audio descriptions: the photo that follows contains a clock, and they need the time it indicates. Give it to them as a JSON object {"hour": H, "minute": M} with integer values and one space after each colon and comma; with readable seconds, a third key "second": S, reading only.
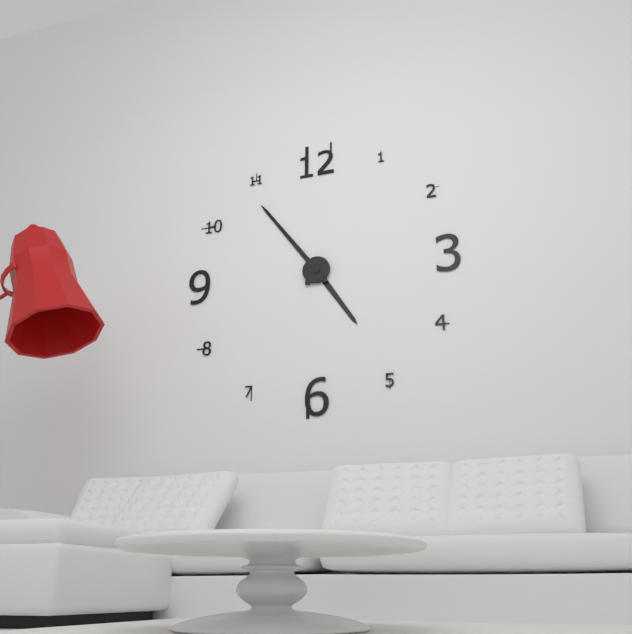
{"hour": 4, "minute": 54}
